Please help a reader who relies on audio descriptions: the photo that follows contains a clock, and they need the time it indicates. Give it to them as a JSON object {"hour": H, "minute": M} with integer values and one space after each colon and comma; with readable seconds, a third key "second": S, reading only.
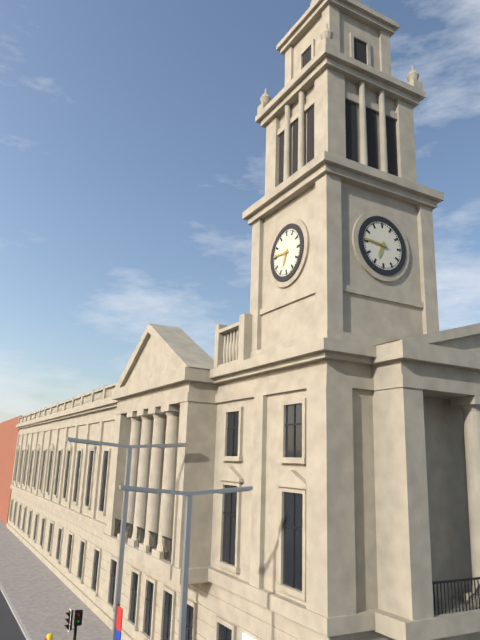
{"hour": 6, "minute": 46}
